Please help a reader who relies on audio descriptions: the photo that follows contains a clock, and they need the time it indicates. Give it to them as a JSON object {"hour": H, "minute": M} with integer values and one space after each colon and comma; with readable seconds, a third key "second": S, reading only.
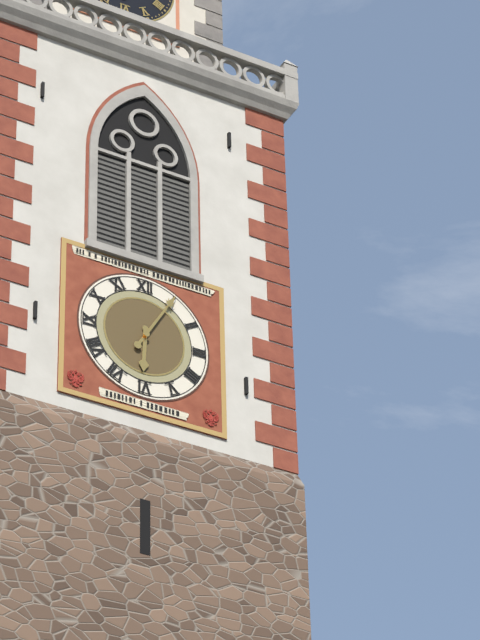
{"hour": 6, "minute": 5}
